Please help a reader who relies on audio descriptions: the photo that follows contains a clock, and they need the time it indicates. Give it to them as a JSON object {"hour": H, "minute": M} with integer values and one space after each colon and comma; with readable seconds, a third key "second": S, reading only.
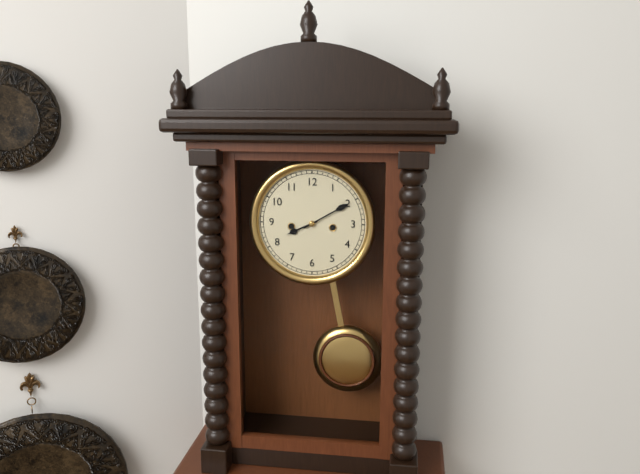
{"hour": 8, "minute": 10}
